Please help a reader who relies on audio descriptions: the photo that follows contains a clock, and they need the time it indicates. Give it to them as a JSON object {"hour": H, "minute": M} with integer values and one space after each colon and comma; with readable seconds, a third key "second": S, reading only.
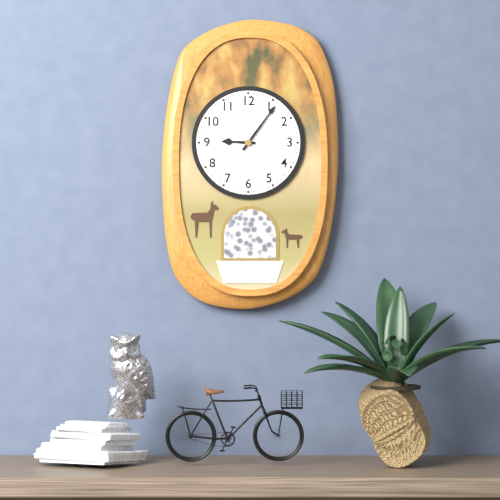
{"hour": 9, "minute": 6}
